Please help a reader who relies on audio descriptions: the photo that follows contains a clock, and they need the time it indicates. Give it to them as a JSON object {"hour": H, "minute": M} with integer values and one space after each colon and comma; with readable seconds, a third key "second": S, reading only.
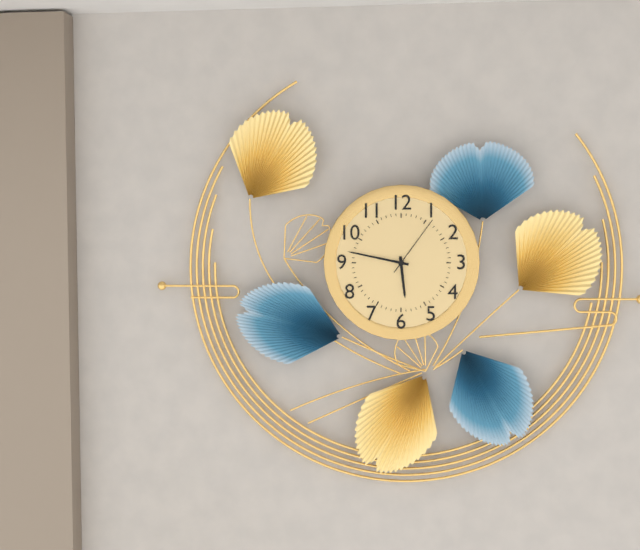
{"hour": 5, "minute": 47, "second": 6}
